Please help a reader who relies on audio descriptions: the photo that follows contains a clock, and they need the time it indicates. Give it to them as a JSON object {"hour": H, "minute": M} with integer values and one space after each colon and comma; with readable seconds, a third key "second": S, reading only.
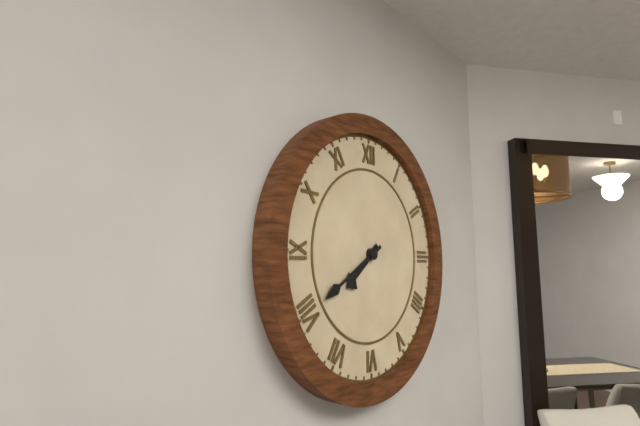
{"hour": 7, "minute": 40}
